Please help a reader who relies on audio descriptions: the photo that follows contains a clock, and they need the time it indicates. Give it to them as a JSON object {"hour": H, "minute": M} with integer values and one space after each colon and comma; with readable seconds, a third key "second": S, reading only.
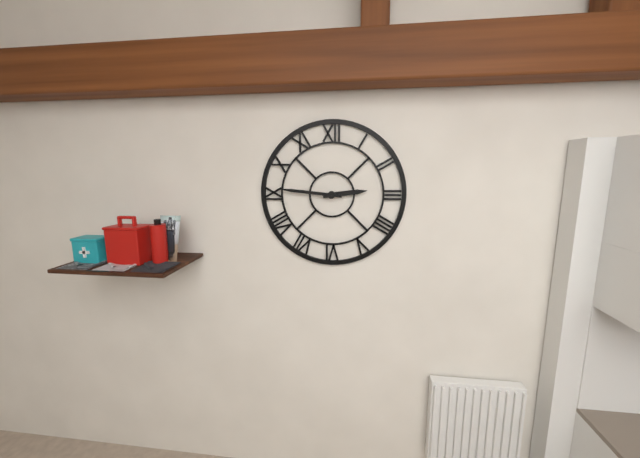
{"hour": 2, "minute": 46}
